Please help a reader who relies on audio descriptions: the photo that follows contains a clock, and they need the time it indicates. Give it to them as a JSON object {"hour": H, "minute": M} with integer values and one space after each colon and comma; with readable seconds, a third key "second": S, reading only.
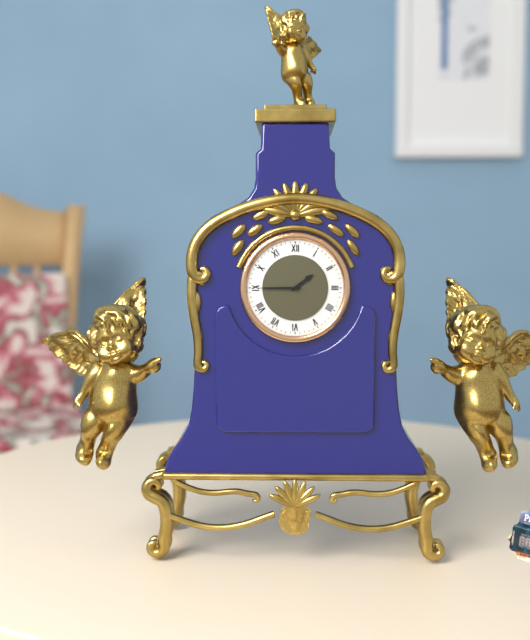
{"hour": 1, "minute": 45}
